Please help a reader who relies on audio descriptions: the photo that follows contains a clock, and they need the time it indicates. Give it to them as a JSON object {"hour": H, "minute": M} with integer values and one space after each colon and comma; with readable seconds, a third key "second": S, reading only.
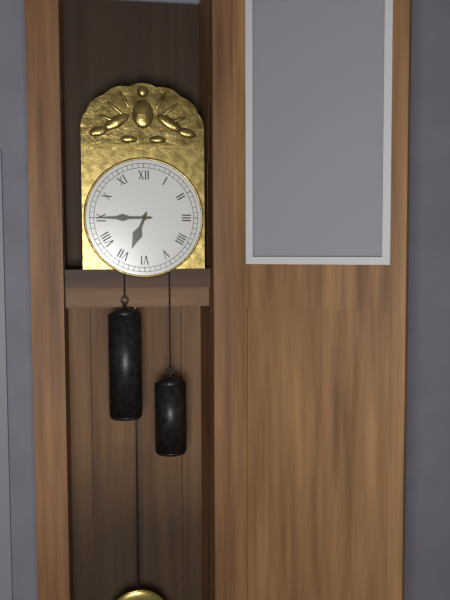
{"hour": 6, "minute": 45}
